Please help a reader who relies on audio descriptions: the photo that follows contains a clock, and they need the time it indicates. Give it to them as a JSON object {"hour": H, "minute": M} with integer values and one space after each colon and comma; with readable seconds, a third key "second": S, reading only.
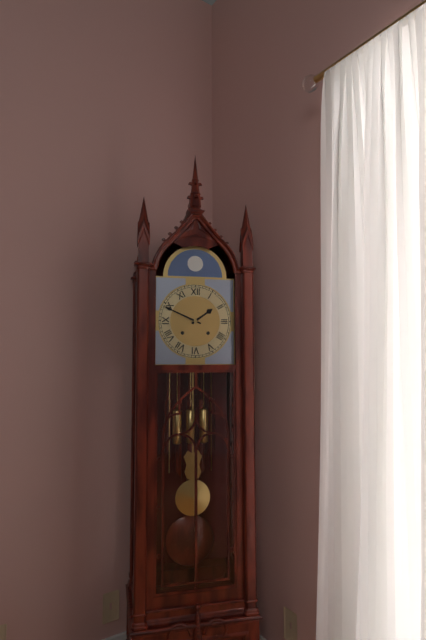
{"hour": 1, "minute": 49}
